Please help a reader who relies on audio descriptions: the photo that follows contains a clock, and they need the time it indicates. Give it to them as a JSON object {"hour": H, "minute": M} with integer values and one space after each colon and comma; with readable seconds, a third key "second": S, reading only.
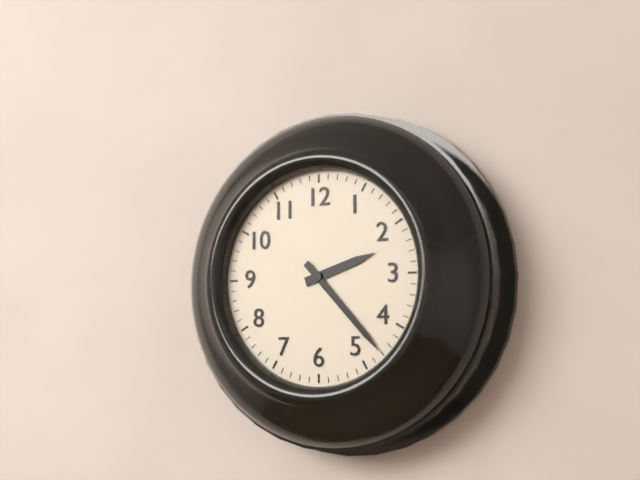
{"hour": 2, "minute": 23}
